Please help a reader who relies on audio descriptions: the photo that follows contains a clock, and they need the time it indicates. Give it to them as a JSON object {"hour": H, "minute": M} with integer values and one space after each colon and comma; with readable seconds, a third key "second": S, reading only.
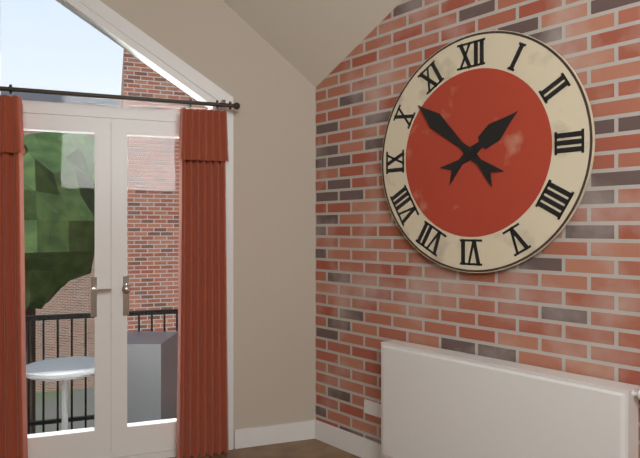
{"hour": 1, "minute": 52}
